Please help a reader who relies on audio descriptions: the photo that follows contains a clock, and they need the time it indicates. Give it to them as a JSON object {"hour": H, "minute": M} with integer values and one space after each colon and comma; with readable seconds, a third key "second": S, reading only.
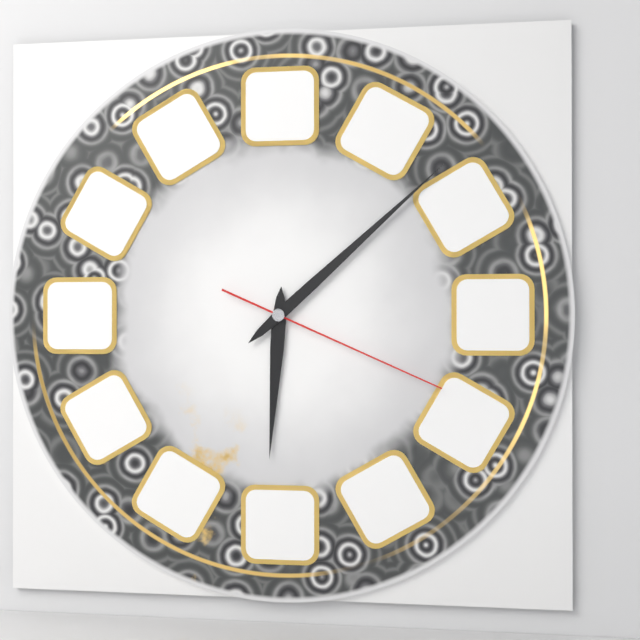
{"hour": 6, "minute": 8, "second": 19}
